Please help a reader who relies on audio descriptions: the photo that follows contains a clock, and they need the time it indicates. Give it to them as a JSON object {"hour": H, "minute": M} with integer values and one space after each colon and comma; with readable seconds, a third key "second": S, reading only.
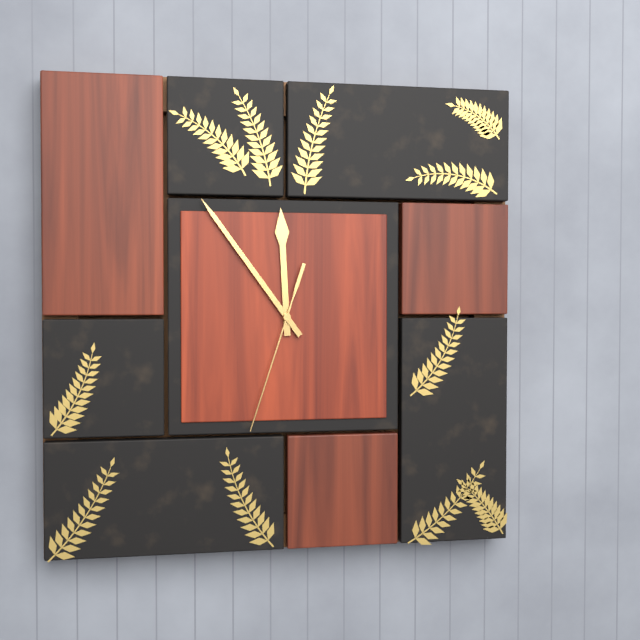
{"hour": 11, "minute": 54, "second": 33}
